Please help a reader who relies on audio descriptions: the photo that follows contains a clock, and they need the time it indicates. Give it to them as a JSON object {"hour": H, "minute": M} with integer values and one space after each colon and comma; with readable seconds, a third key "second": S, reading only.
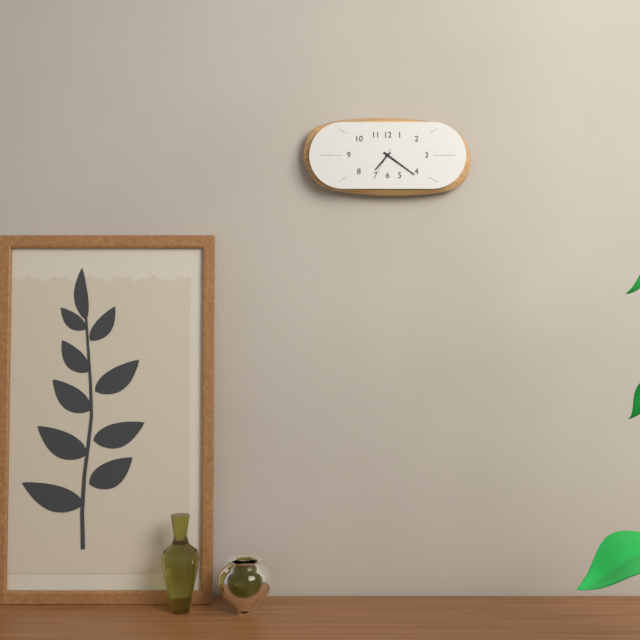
{"hour": 7, "minute": 21}
